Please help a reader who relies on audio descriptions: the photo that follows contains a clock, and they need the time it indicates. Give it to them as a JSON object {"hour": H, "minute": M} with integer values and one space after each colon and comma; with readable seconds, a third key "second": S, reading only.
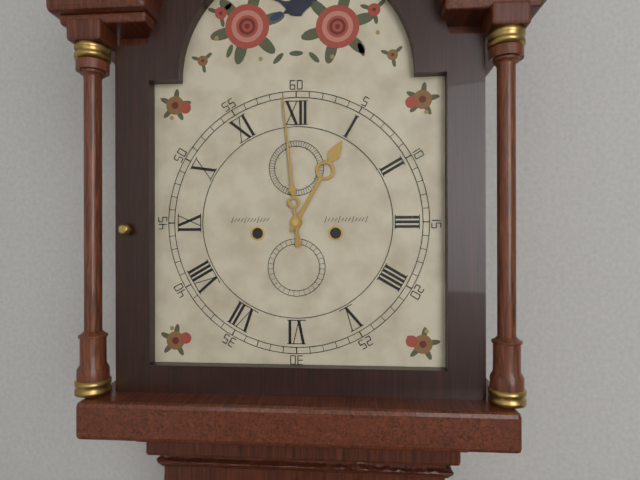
{"hour": 12, "minute": 59}
